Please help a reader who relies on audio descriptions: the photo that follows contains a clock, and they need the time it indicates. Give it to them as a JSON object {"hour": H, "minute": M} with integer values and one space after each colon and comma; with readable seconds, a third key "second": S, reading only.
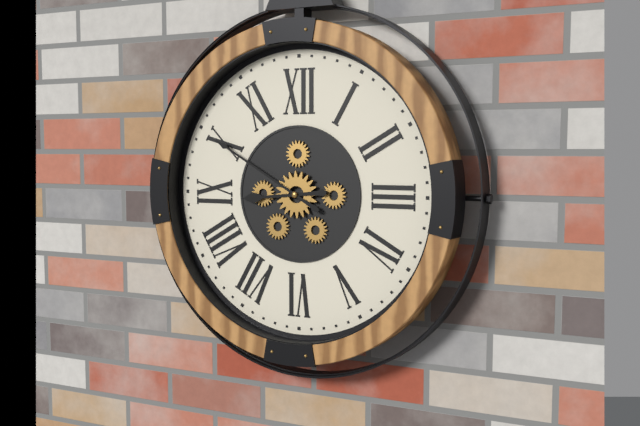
{"hour": 8, "minute": 50}
